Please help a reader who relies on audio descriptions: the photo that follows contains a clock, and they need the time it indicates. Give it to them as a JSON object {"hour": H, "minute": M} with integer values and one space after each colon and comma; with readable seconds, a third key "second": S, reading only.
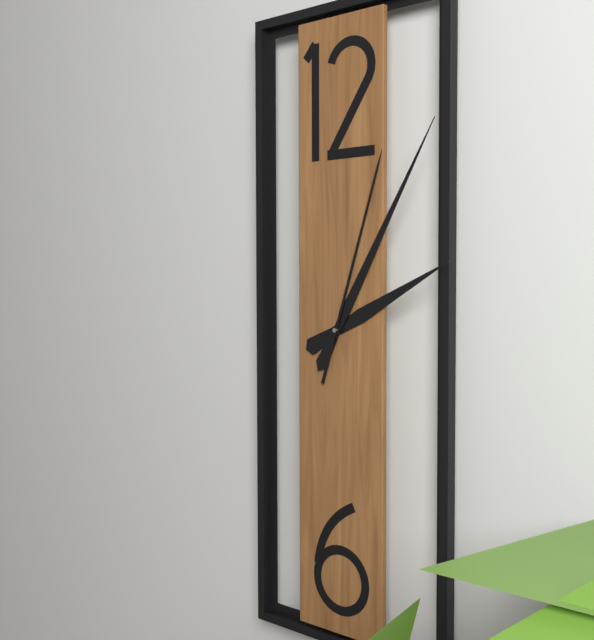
{"hour": 2, "minute": 5, "second": 3}
